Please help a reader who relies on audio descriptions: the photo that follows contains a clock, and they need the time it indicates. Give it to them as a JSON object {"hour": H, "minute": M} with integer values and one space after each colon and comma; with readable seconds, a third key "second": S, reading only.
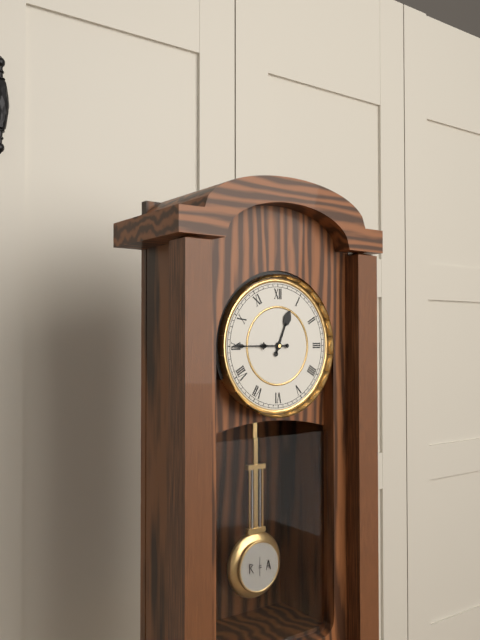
{"hour": 12, "minute": 45}
